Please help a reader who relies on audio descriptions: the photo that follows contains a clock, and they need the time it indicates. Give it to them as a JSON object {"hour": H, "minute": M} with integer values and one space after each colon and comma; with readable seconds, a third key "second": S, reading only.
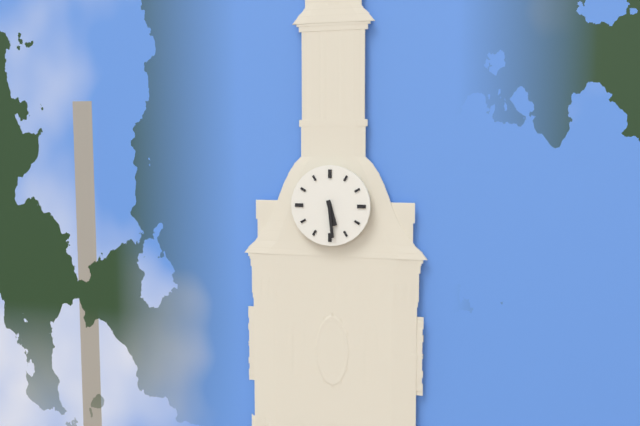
{"hour": 5, "minute": 29}
